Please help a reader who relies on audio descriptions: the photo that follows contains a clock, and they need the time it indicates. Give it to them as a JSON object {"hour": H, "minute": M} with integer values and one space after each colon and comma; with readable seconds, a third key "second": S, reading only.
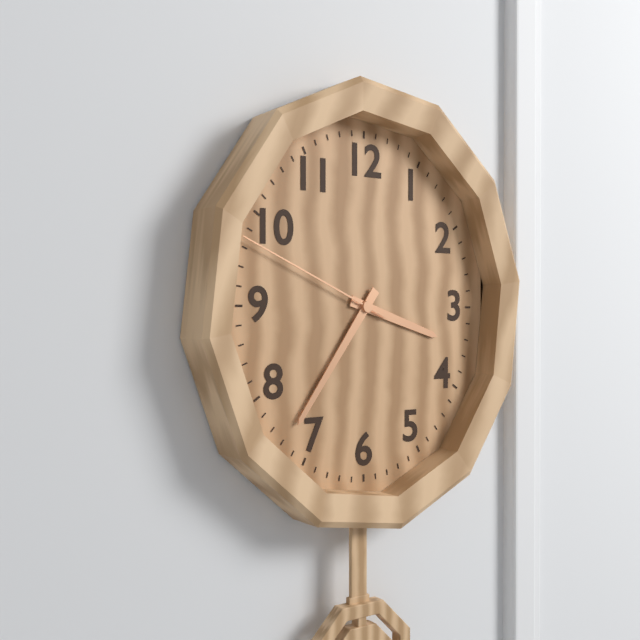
{"hour": 3, "minute": 36, "second": 49}
